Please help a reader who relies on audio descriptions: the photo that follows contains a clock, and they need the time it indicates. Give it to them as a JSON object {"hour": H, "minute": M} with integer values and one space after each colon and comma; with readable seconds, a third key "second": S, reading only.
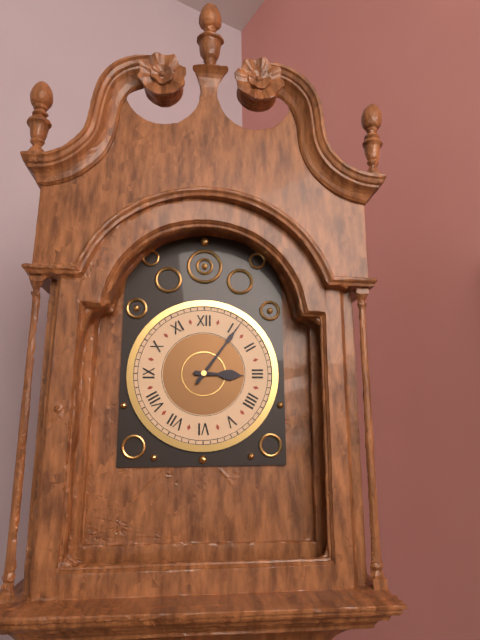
{"hour": 3, "minute": 6}
